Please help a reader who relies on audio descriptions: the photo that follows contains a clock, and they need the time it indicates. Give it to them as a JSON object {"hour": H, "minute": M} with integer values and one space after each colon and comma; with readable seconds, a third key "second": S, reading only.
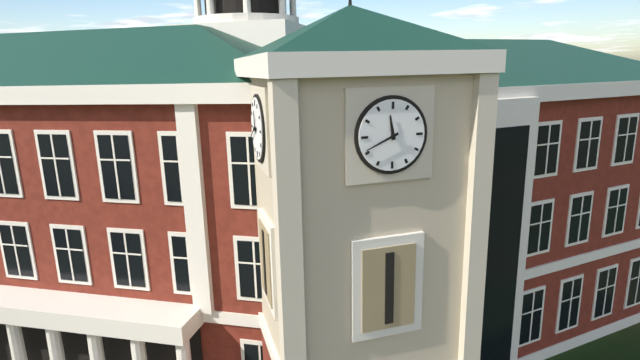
{"hour": 11, "minute": 41}
